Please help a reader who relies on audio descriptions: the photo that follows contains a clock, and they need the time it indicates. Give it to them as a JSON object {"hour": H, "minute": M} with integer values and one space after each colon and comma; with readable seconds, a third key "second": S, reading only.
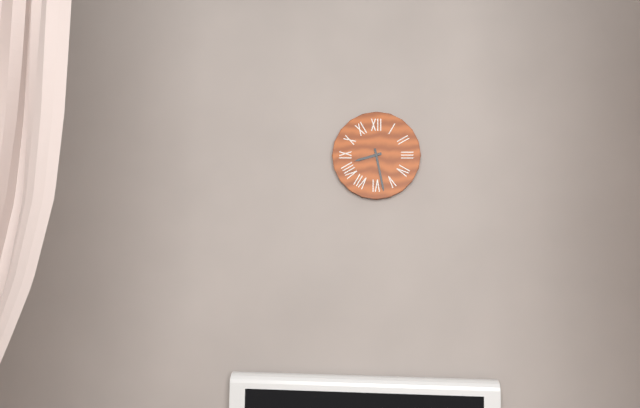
{"hour": 8, "minute": 28}
